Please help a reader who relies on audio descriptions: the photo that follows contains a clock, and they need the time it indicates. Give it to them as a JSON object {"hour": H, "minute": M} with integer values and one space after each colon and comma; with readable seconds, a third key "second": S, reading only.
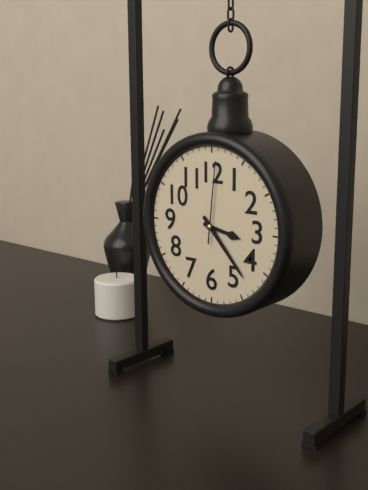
{"hour": 3, "minute": 23, "second": 1}
